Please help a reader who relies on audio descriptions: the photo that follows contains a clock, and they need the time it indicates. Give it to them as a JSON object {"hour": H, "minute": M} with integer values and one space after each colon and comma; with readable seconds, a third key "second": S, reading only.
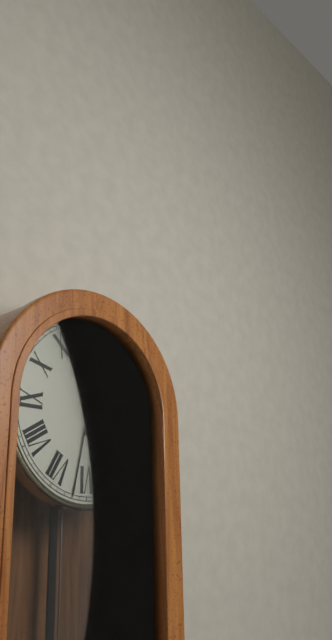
{"hour": 11, "minute": 32}
